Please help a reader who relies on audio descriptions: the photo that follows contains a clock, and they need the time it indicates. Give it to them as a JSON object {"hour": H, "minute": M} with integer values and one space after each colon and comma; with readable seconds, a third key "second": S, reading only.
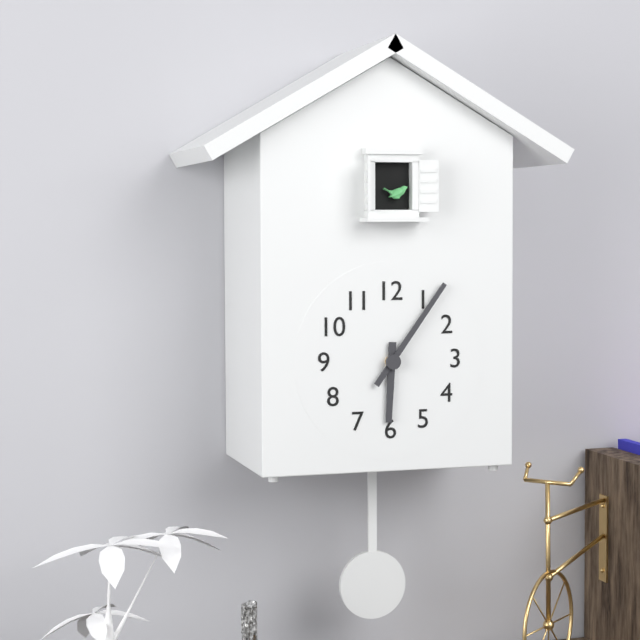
{"hour": 6, "minute": 6}
